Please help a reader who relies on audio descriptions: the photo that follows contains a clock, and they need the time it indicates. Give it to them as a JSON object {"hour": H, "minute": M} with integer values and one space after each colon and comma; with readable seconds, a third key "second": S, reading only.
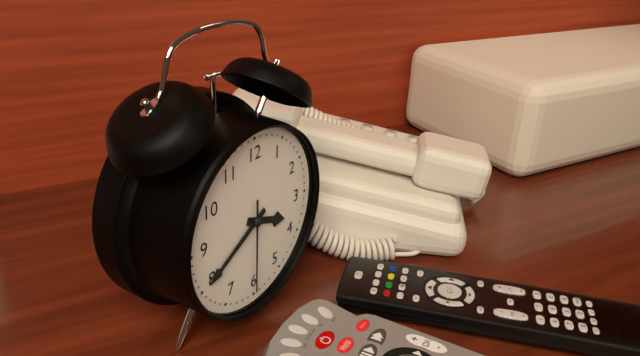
{"hour": 3, "minute": 40, "second": 30}
